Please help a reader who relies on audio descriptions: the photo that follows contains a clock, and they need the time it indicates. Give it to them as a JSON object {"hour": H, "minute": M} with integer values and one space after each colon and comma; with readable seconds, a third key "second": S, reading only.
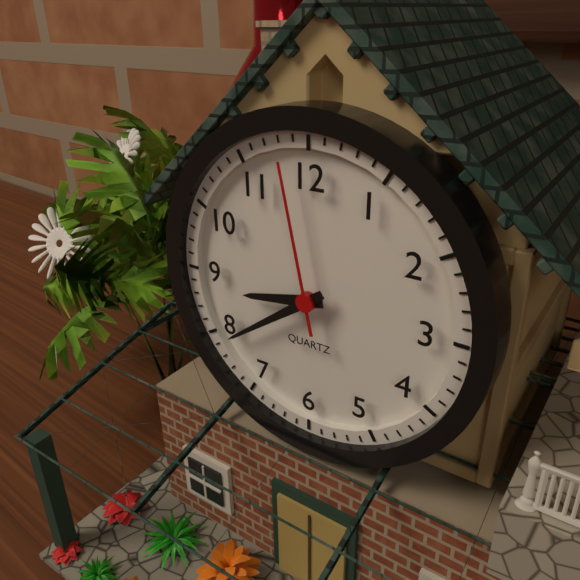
{"hour": 8, "minute": 39, "second": 58}
